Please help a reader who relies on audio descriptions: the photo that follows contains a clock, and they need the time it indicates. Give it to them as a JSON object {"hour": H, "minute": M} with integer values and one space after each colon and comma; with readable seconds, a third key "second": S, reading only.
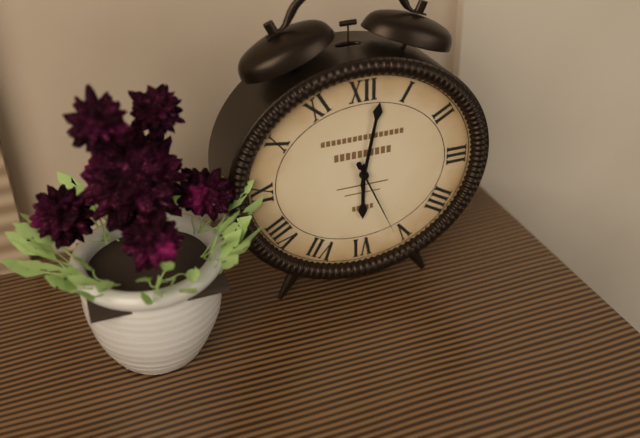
{"hour": 6, "minute": 2, "second": 26}
